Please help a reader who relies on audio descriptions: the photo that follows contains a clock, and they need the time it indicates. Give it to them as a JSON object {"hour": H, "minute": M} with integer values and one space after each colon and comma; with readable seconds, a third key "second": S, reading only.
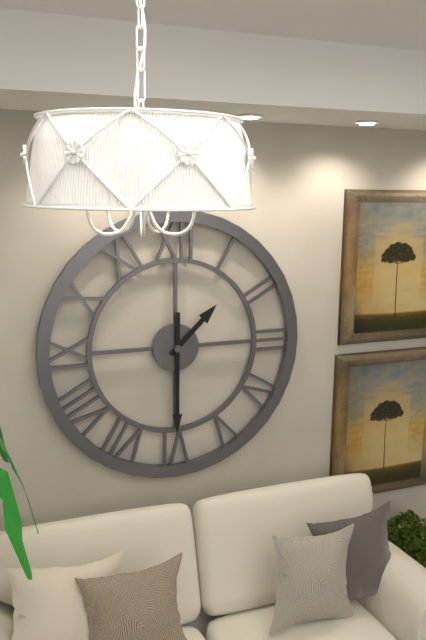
{"hour": 1, "minute": 30}
